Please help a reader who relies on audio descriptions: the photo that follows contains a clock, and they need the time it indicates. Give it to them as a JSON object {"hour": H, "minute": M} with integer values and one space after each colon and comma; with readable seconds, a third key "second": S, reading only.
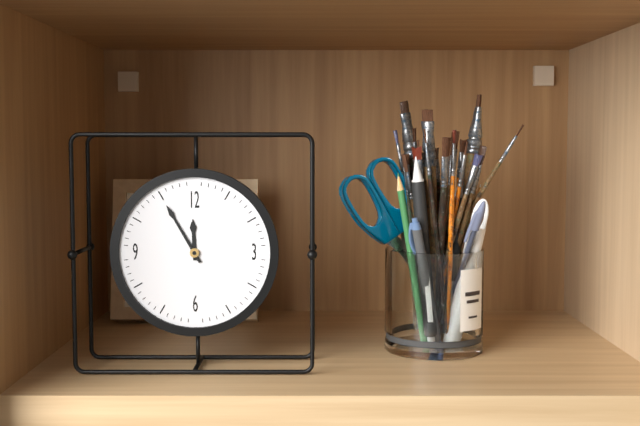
{"hour": 11, "minute": 55}
